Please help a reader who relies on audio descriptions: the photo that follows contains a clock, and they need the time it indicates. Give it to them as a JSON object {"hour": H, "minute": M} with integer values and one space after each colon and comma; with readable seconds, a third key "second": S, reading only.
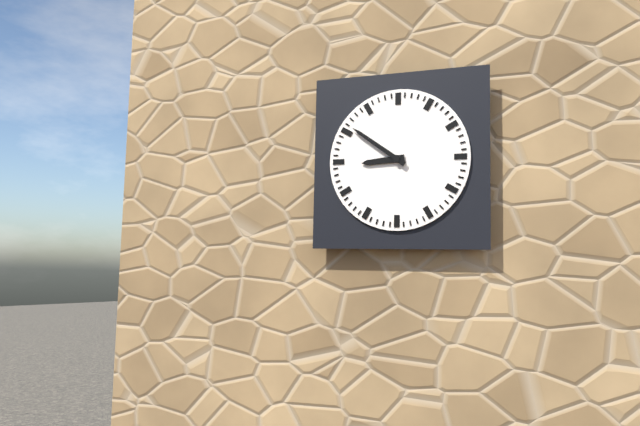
{"hour": 8, "minute": 51}
